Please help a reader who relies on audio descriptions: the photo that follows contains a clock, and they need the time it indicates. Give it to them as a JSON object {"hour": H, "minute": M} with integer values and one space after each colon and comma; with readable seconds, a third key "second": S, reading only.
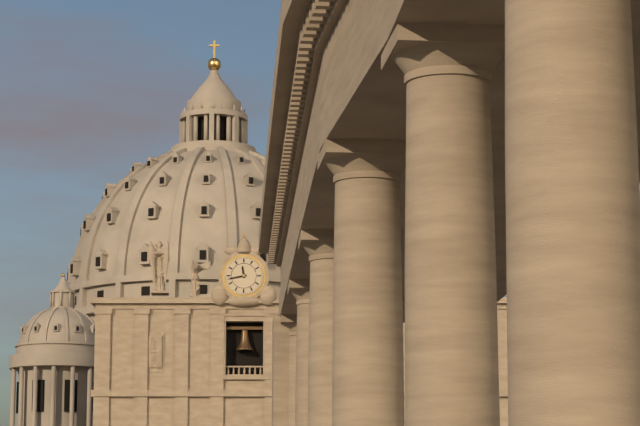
{"hour": 11, "minute": 43}
